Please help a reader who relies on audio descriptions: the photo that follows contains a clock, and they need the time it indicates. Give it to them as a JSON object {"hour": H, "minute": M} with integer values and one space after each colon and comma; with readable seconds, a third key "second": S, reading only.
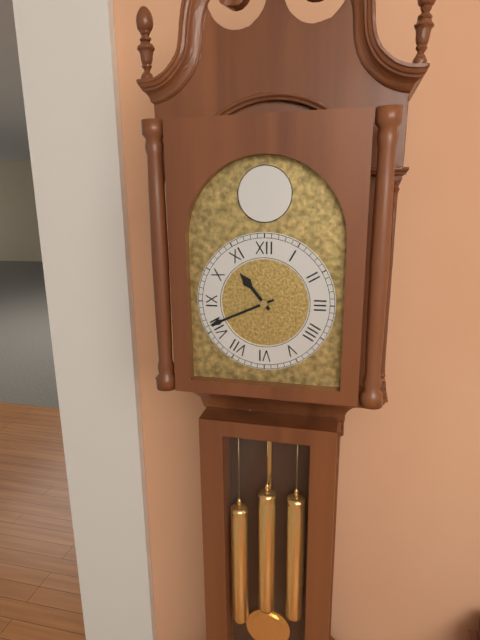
{"hour": 10, "minute": 41}
